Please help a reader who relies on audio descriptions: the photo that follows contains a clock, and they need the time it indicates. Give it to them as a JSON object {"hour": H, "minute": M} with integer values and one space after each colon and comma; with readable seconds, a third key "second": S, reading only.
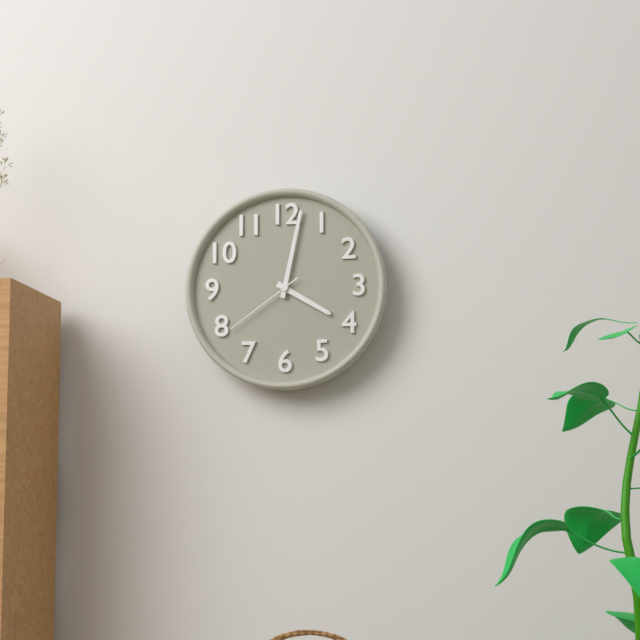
{"hour": 4, "minute": 2, "second": 39}
